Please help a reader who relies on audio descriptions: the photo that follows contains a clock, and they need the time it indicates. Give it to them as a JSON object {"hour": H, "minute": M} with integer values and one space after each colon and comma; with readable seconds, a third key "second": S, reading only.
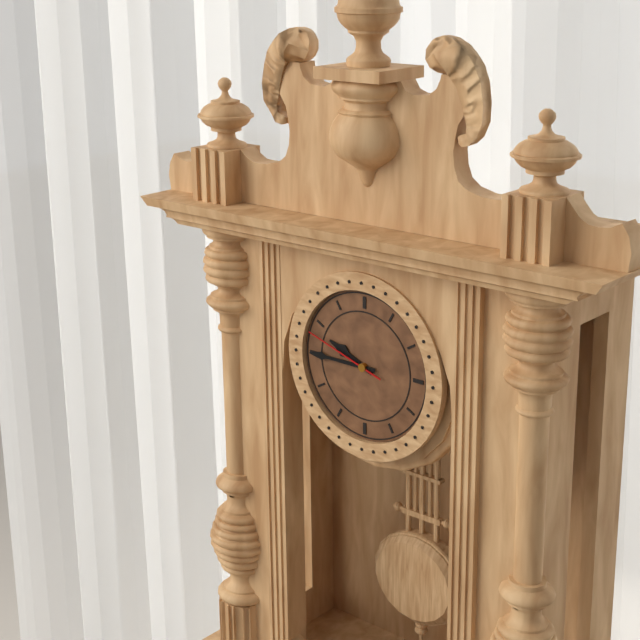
{"hour": 9, "minute": 45, "second": 48}
